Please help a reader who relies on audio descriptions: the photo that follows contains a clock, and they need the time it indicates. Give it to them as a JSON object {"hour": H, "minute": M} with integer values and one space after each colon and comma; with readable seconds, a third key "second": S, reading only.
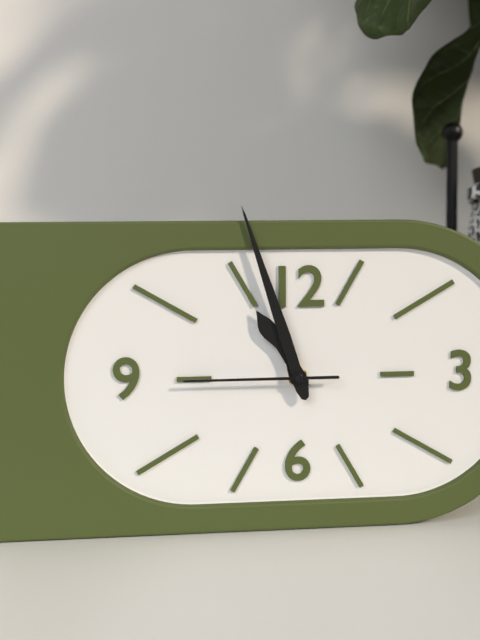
{"hour": 10, "minute": 57, "second": 45}
